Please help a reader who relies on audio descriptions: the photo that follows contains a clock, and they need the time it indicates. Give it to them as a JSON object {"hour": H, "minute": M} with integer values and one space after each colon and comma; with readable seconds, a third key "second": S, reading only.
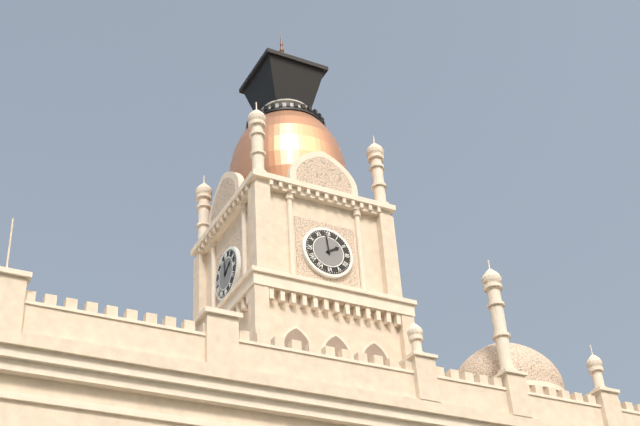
{"hour": 1, "minute": 59}
